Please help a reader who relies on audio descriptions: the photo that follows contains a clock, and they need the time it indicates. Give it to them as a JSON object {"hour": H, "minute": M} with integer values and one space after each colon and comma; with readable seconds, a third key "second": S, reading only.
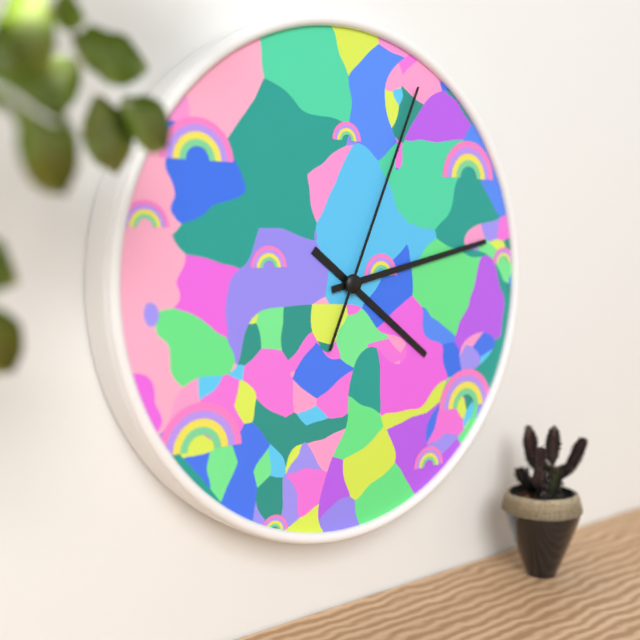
{"hour": 4, "minute": 13, "second": 4}
